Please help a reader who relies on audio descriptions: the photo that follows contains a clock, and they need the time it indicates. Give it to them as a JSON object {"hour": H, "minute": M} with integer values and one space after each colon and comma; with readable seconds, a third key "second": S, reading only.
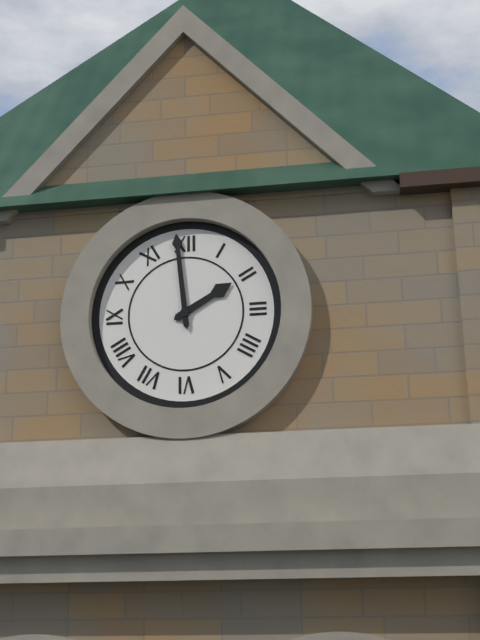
{"hour": 1, "minute": 59}
